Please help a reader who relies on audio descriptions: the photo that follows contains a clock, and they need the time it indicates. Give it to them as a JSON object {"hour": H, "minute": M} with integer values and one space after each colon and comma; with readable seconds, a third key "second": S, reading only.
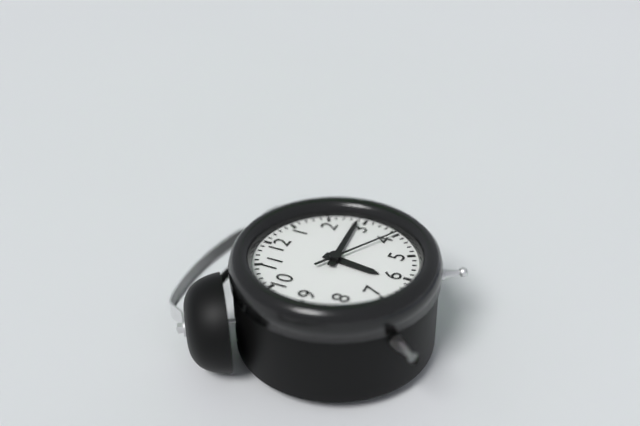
{"hour": 6, "minute": 14, "second": 20}
